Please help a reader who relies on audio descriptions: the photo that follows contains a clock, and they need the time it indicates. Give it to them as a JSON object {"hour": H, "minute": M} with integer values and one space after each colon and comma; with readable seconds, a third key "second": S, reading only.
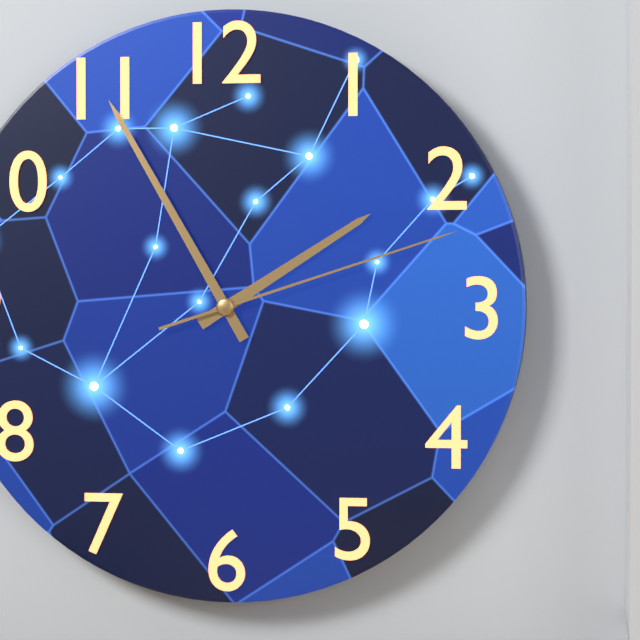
{"hour": 1, "minute": 55, "second": 12}
